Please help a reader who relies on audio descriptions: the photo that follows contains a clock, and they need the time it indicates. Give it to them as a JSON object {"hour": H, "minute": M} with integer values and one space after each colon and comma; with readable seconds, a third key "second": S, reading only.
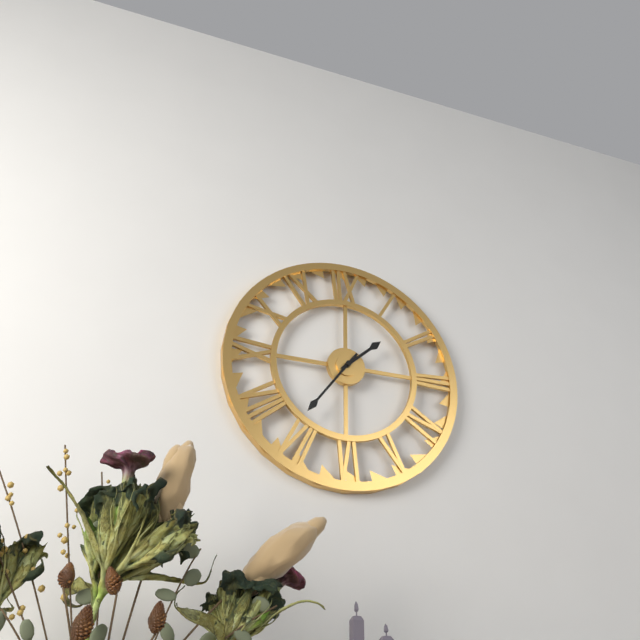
{"hour": 1, "minute": 36}
